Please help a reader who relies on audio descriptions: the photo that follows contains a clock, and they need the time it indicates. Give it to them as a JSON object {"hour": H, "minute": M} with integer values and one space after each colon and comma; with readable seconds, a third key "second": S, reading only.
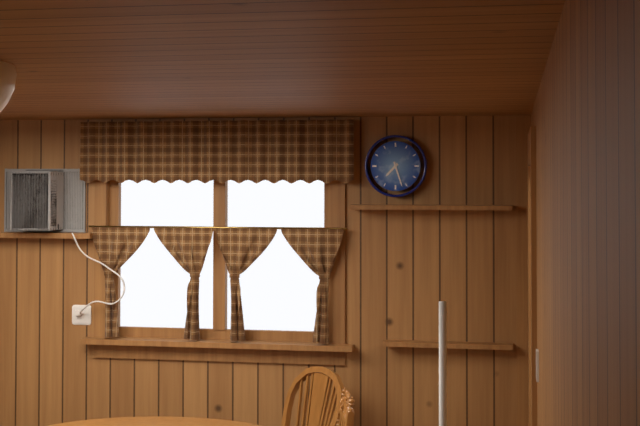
{"hour": 7, "minute": 27}
